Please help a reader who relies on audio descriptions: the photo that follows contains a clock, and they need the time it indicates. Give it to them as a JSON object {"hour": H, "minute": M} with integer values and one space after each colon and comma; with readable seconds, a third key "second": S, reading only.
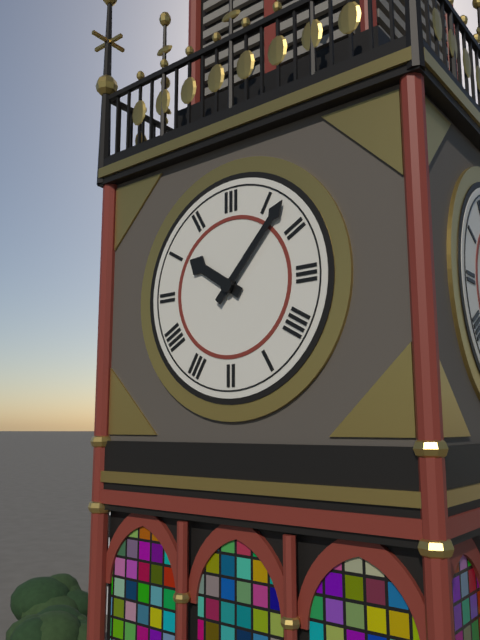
{"hour": 10, "minute": 7}
